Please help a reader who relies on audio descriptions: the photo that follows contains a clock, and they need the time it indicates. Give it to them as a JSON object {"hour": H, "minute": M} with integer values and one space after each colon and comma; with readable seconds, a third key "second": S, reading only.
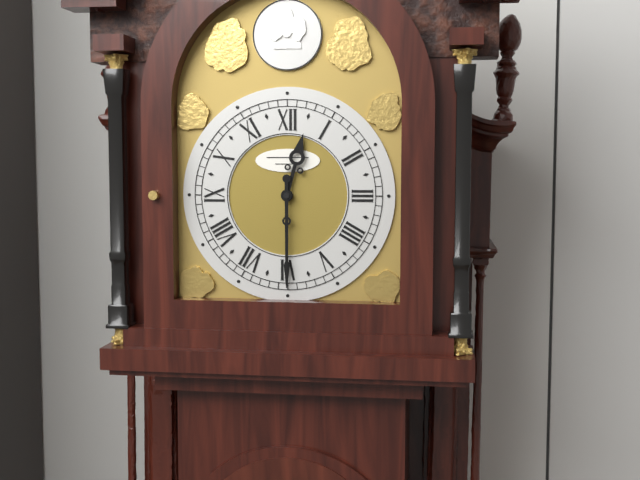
{"hour": 12, "minute": 30}
